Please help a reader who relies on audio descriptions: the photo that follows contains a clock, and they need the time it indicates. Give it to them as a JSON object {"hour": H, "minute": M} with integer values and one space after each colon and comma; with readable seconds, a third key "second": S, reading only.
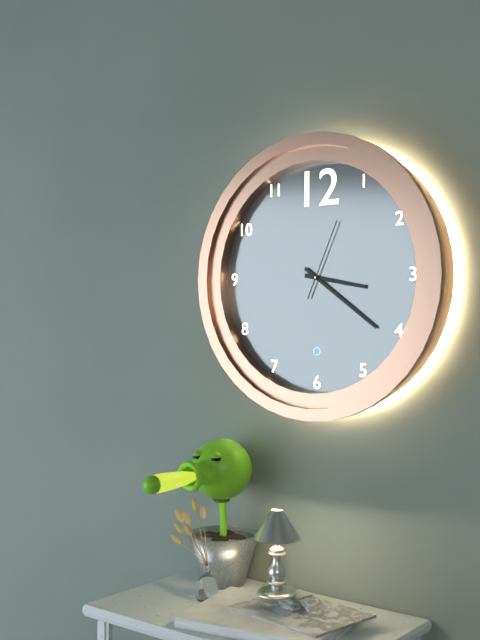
{"hour": 3, "minute": 21, "second": 4}
